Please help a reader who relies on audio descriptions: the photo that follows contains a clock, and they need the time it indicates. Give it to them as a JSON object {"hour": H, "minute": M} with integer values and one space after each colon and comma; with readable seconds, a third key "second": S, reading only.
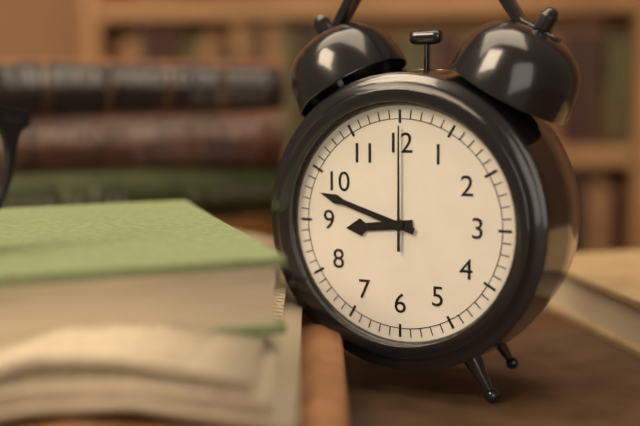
{"hour": 8, "minute": 48, "second": 0}
